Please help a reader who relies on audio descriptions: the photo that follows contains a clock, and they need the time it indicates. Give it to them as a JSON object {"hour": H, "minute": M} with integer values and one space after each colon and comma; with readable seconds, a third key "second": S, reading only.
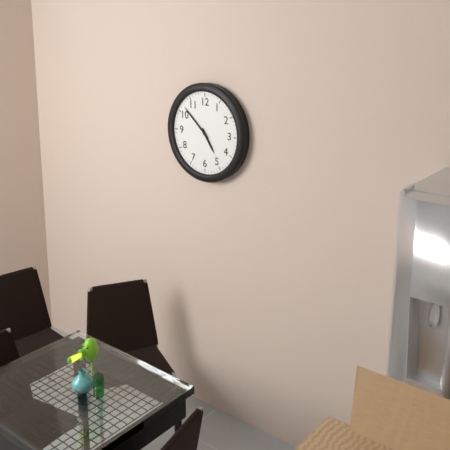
{"hour": 4, "minute": 52}
